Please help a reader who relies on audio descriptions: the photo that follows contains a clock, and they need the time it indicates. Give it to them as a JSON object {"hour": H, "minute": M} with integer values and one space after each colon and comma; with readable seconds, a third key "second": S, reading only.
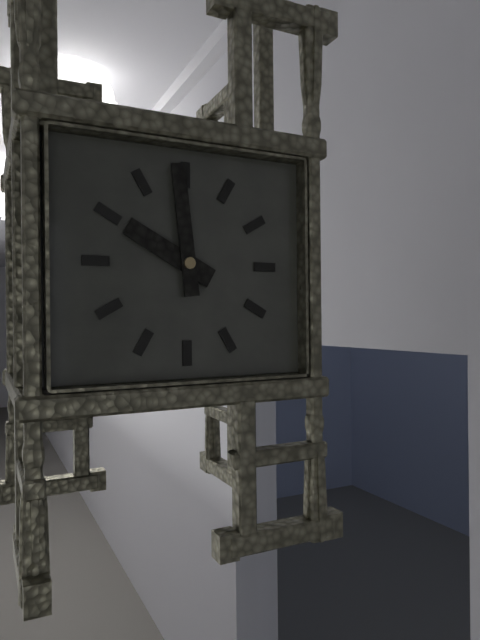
{"hour": 9, "minute": 59}
